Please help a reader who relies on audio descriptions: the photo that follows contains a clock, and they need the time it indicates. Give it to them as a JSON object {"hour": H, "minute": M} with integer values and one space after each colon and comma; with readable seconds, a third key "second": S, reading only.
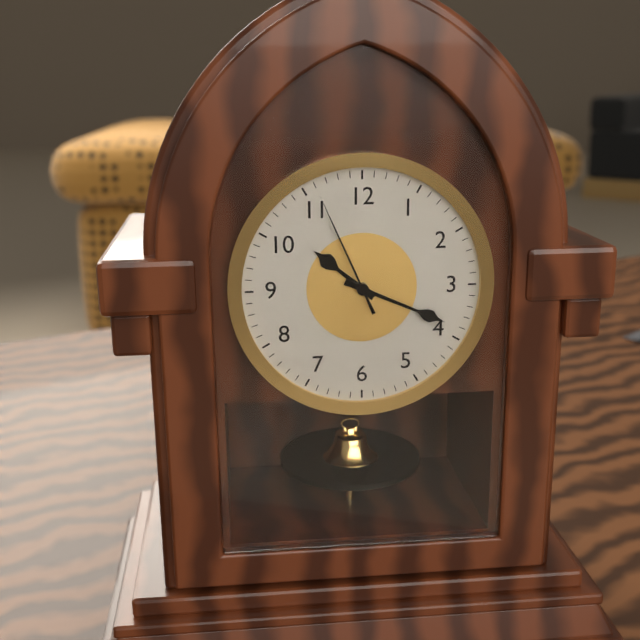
{"hour": 10, "minute": 19, "second": 56}
